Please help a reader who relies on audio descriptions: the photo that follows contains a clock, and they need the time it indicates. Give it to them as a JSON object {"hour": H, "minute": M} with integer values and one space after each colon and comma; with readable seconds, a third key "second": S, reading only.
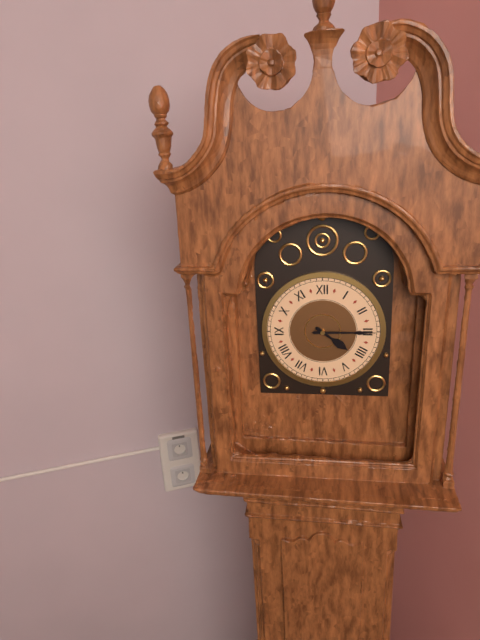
{"hour": 4, "minute": 15}
